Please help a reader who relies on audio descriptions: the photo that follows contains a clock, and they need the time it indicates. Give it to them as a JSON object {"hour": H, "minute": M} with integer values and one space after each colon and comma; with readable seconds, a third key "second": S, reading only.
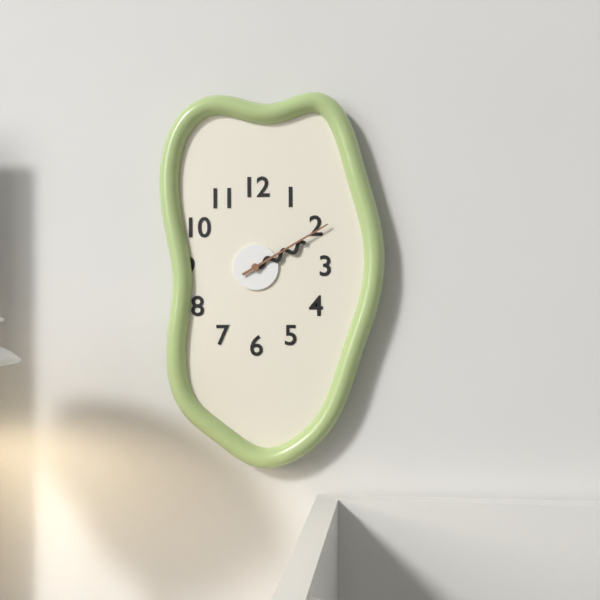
{"hour": 2, "minute": 10}
